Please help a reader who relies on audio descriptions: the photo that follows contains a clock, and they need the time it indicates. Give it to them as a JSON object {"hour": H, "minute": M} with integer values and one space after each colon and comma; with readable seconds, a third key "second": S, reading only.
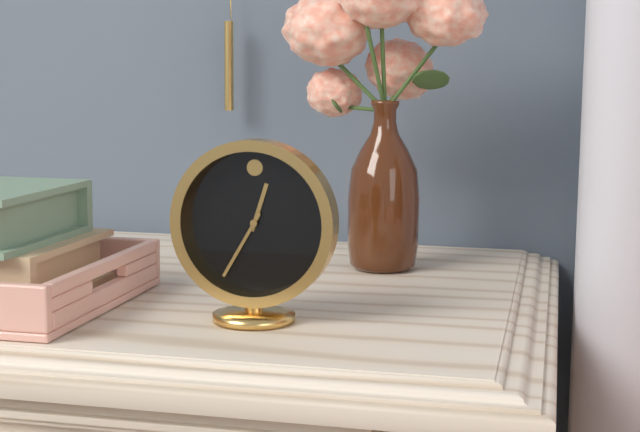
{"hour": 12, "minute": 35}
